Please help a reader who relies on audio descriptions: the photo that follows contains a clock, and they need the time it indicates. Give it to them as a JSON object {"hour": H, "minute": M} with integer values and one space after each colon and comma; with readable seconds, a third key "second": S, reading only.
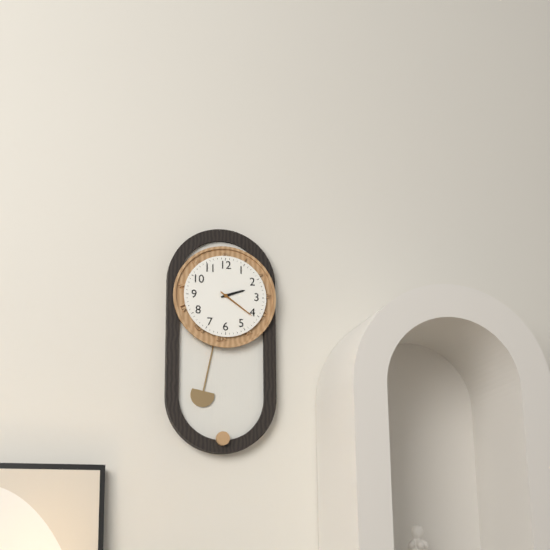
{"hour": 2, "minute": 21}
